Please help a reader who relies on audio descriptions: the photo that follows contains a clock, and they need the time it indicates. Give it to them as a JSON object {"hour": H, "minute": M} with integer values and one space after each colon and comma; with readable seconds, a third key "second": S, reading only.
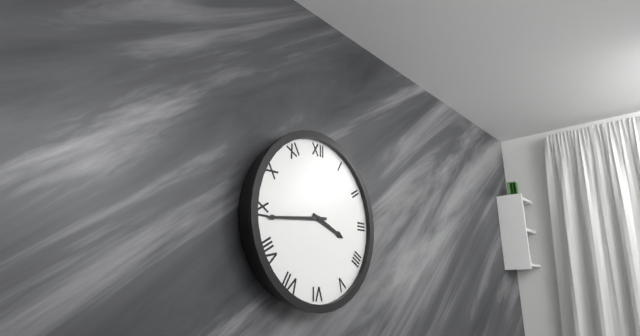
{"hour": 3, "minute": 44}
